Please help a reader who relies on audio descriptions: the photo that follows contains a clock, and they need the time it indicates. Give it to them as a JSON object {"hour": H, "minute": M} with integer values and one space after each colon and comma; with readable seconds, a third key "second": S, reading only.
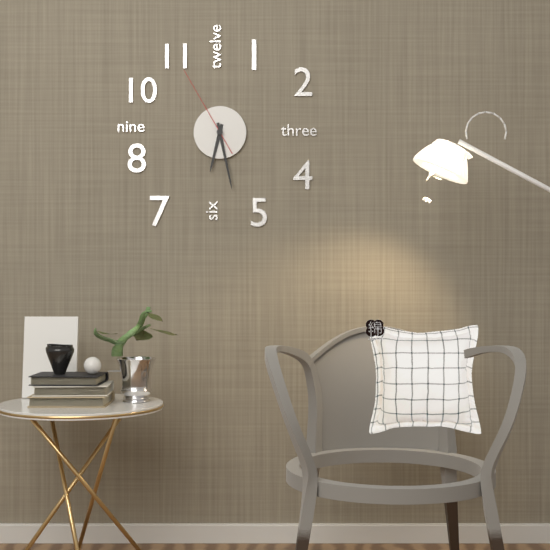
{"hour": 6, "minute": 28, "second": 55}
